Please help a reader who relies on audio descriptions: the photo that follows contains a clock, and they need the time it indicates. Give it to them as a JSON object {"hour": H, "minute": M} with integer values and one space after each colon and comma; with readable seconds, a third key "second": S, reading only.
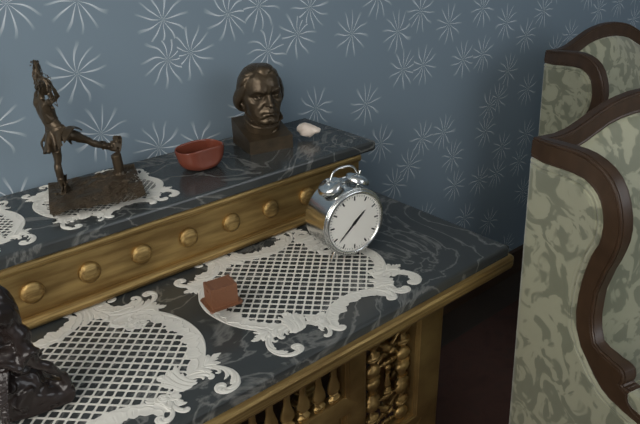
{"hour": 1, "minute": 38}
